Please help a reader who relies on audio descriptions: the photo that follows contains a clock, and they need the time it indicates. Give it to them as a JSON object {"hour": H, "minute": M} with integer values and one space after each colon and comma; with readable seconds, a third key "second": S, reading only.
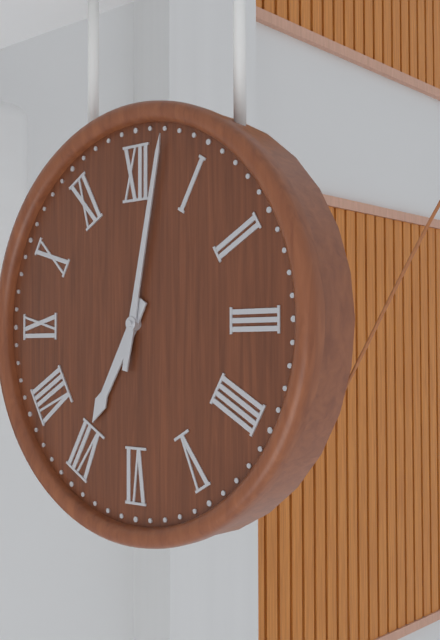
{"hour": 7, "minute": 2}
